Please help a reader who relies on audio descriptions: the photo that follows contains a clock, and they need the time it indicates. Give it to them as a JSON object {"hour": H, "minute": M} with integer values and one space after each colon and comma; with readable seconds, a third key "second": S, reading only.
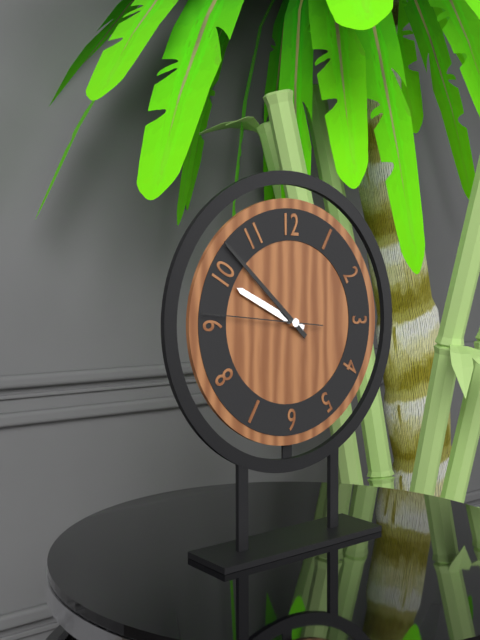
{"hour": 9, "minute": 52, "second": 46}
